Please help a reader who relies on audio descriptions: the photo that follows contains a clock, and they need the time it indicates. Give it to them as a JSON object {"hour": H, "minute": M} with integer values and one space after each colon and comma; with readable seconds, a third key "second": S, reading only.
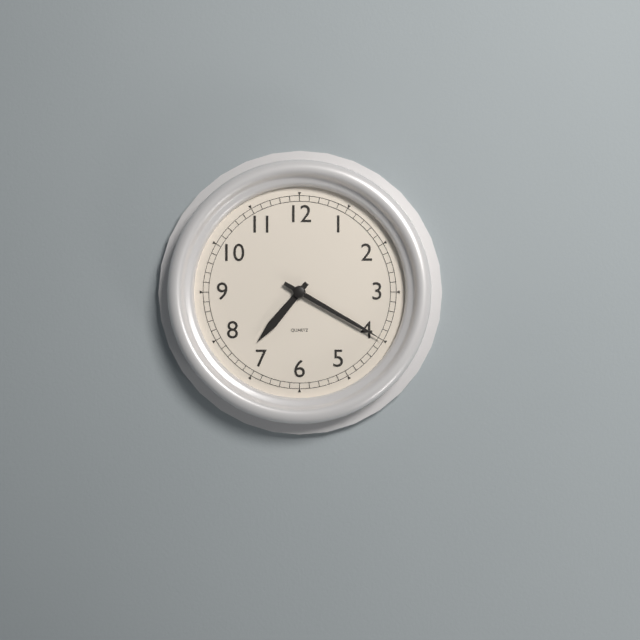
{"hour": 7, "minute": 20}
